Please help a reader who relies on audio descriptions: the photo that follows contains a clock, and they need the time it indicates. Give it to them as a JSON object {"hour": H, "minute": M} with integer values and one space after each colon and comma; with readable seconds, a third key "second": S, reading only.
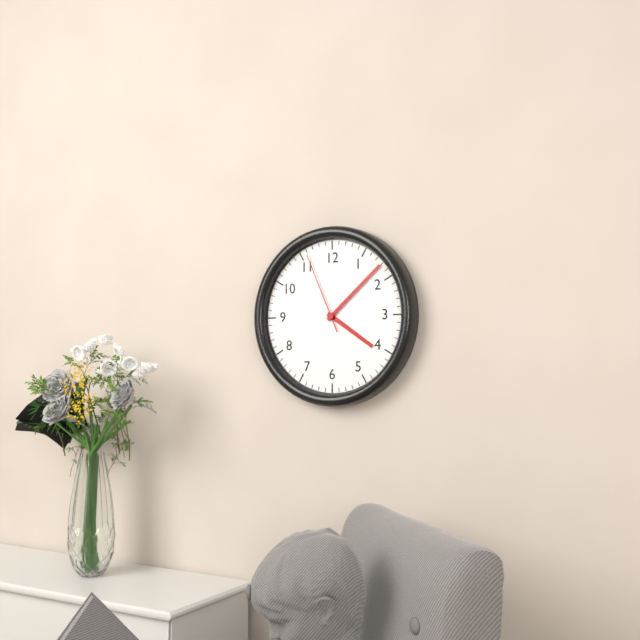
{"hour": 4, "minute": 8, "second": 56}
